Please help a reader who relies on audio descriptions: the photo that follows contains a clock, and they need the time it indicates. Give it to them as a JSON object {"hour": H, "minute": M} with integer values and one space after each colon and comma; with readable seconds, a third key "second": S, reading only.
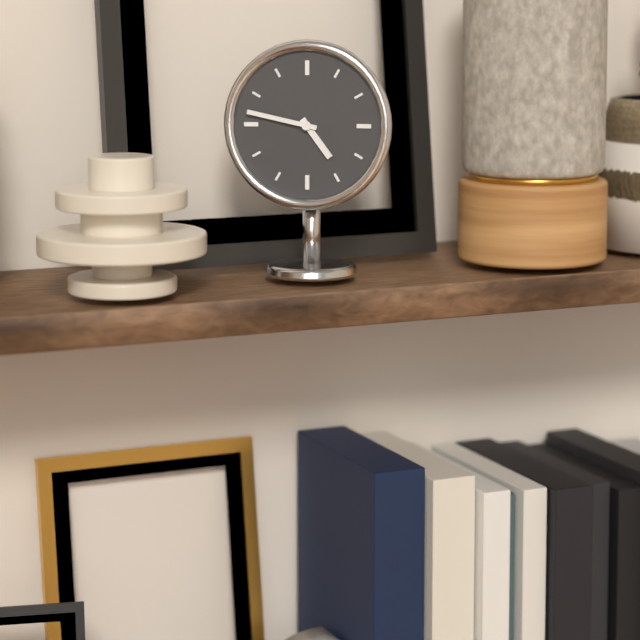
{"hour": 4, "minute": 47}
